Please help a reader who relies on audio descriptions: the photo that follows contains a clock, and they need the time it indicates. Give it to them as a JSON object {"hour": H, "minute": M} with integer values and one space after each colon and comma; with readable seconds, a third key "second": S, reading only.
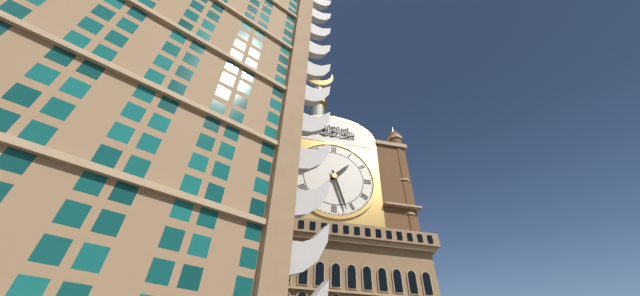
{"hour": 1, "minute": 27}
